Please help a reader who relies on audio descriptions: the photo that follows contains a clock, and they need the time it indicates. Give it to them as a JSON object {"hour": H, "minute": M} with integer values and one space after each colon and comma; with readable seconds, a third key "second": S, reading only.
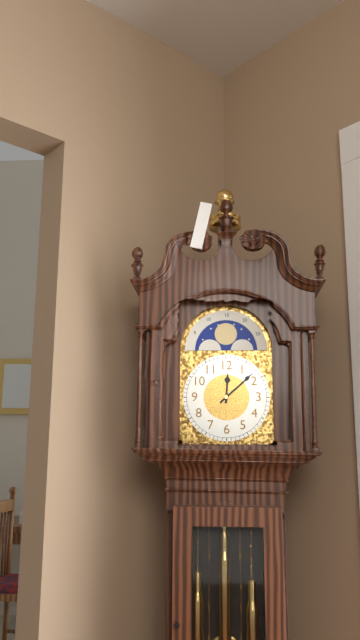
{"hour": 12, "minute": 8}
